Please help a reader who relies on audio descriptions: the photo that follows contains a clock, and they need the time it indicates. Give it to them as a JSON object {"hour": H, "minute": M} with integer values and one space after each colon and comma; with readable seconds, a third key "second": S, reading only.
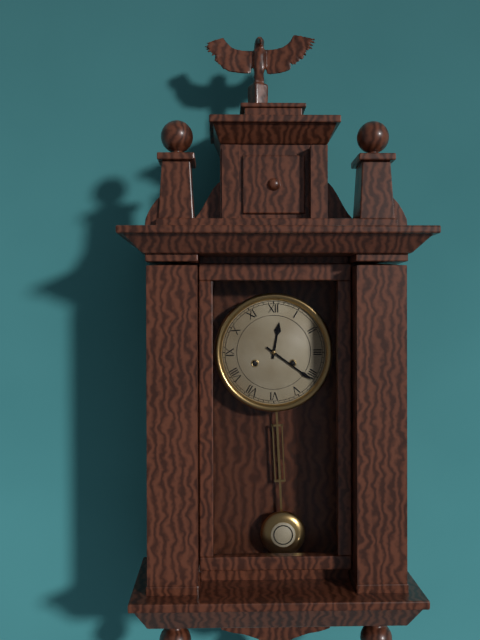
{"hour": 12, "minute": 21}
